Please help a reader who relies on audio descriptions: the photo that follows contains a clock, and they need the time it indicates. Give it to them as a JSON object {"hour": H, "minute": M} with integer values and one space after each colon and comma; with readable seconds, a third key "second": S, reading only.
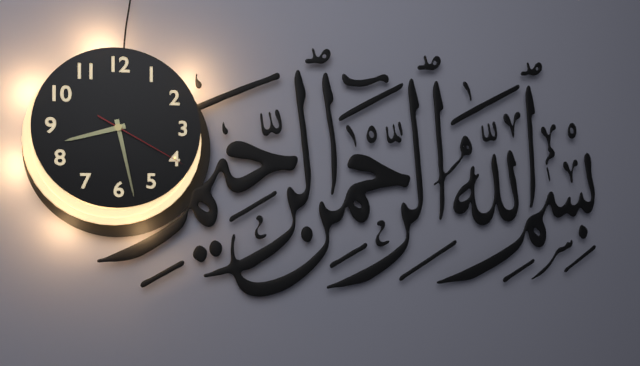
{"hour": 8, "minute": 28, "second": 20}
